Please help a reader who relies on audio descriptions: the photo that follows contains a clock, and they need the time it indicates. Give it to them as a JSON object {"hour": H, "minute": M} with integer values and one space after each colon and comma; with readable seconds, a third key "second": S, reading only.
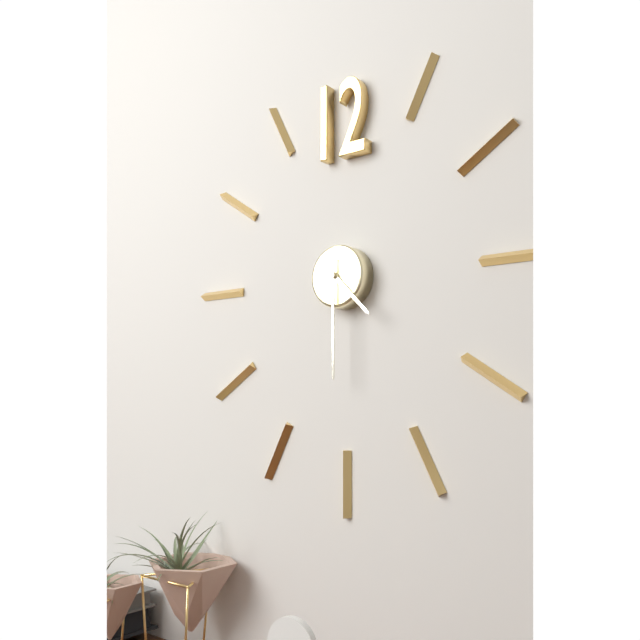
{"hour": 4, "minute": 30}
